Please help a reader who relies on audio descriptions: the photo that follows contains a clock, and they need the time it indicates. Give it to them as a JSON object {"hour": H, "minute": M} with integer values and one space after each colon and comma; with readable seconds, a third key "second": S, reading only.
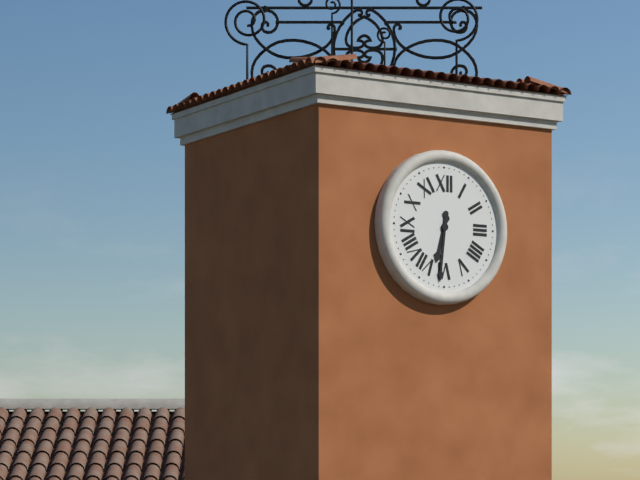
{"hour": 6, "minute": 31}
